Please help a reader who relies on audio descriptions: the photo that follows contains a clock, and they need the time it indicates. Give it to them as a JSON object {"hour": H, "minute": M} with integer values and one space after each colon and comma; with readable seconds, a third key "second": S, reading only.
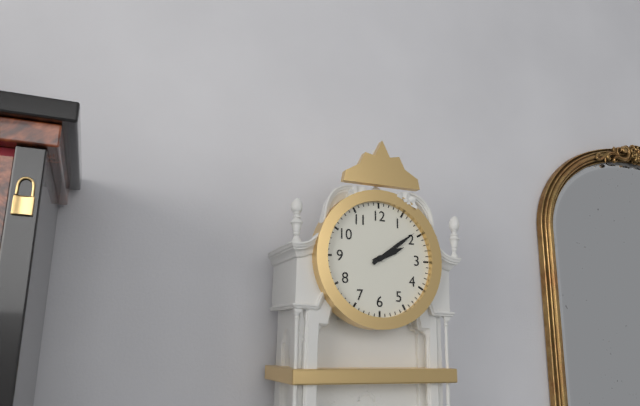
{"hour": 2, "minute": 9}
